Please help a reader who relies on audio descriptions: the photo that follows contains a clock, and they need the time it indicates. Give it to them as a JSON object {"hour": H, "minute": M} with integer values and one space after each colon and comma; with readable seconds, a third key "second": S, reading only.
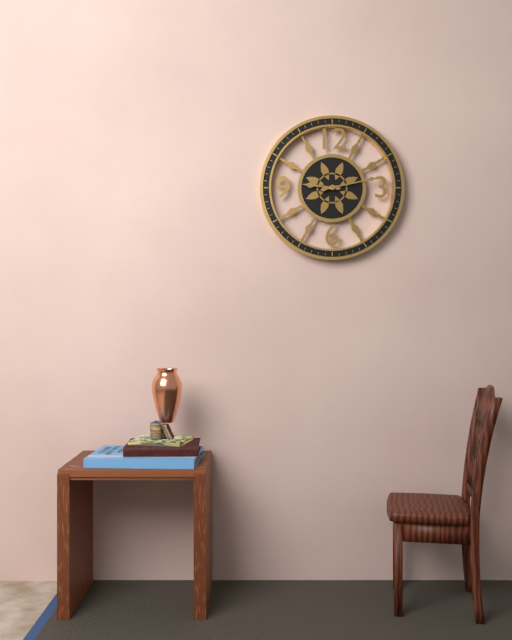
{"hour": 9, "minute": 13}
